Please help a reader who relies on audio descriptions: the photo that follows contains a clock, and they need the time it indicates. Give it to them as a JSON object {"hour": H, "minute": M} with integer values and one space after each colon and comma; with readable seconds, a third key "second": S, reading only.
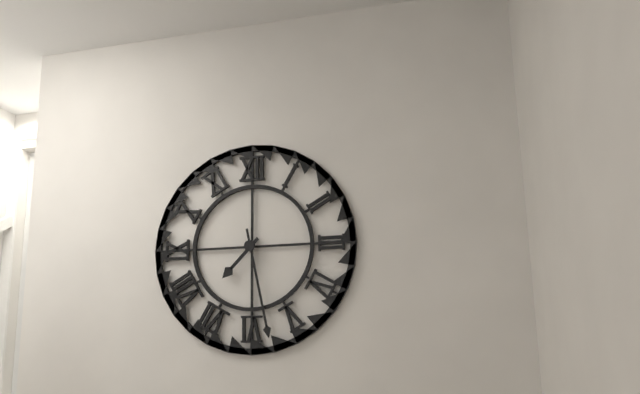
{"hour": 7, "minute": 28}
